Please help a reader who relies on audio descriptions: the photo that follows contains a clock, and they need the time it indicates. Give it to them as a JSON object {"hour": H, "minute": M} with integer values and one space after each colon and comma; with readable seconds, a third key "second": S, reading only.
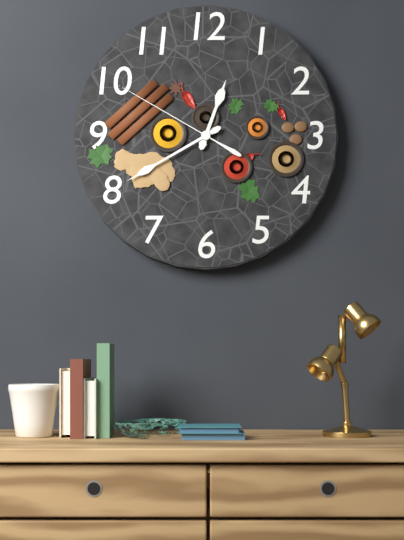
{"hour": 12, "minute": 40, "second": 50}
